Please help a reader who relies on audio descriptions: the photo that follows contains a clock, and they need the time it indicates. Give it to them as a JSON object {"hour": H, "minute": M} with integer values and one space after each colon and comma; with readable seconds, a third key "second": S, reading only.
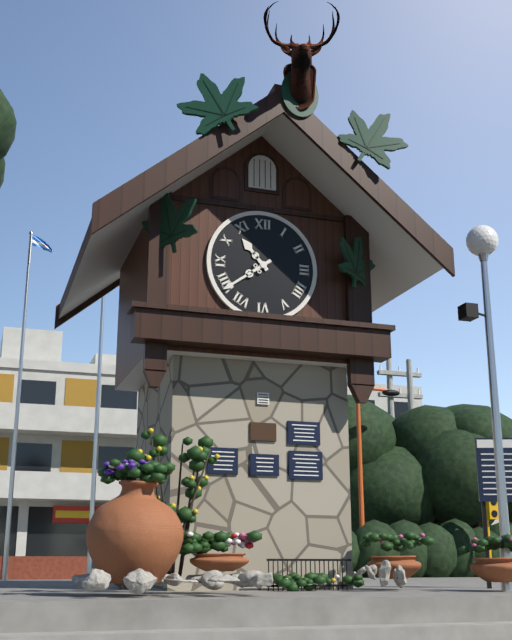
{"hour": 10, "minute": 39}
